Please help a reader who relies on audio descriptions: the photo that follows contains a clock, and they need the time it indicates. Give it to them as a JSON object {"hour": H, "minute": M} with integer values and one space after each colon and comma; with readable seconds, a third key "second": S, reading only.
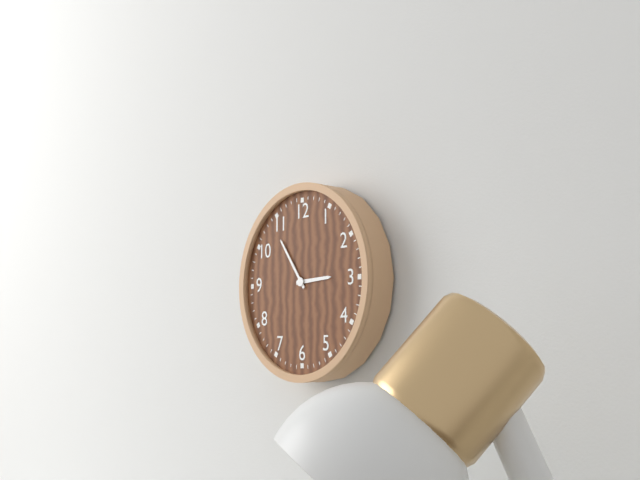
{"hour": 2, "minute": 54}
